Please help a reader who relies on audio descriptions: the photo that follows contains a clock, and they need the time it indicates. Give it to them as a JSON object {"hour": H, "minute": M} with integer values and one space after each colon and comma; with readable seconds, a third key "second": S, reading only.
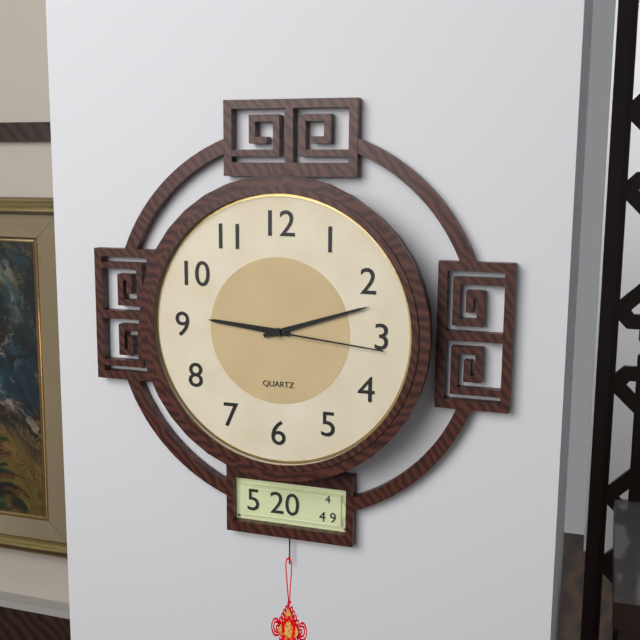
{"hour": 9, "minute": 12, "second": 16}
